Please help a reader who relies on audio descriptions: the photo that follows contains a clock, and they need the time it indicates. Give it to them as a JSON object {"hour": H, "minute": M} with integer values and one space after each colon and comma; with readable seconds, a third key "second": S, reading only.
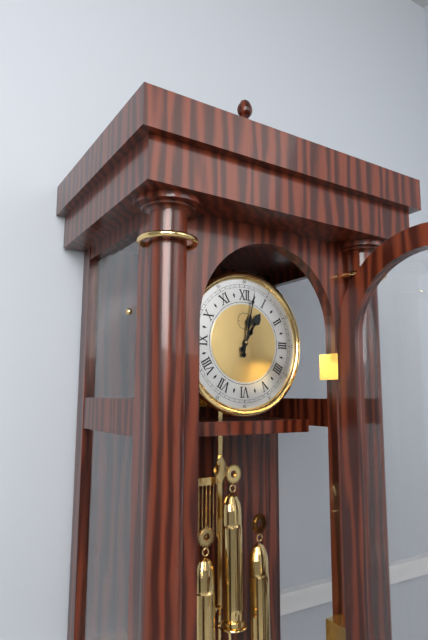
{"hour": 1, "minute": 2}
